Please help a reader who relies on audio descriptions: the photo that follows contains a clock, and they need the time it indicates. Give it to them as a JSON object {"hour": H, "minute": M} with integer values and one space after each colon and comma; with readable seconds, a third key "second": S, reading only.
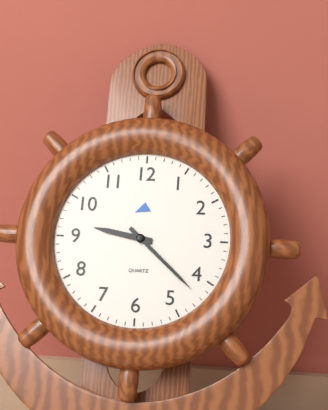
{"hour": 9, "minute": 22}
